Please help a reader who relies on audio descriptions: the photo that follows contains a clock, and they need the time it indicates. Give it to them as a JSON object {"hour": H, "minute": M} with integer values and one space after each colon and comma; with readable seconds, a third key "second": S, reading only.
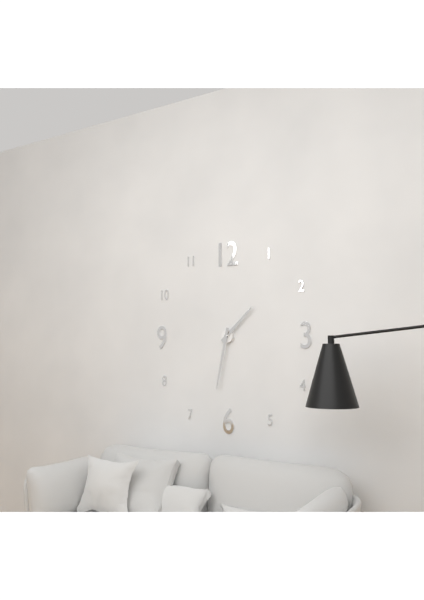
{"hour": 1, "minute": 32}
